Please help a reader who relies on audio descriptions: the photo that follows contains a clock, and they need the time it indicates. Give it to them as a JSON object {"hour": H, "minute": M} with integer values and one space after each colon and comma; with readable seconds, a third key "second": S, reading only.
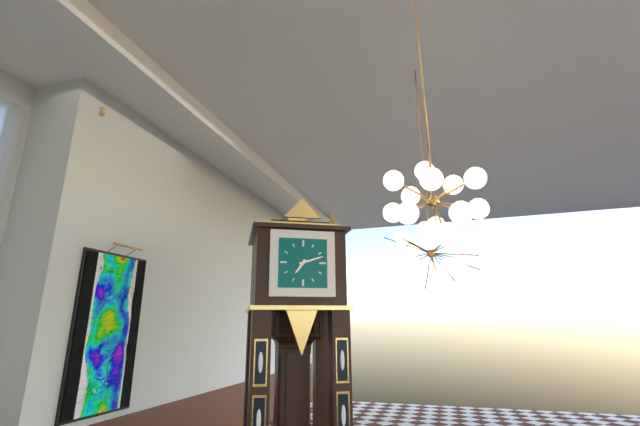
{"hour": 7, "minute": 12}
